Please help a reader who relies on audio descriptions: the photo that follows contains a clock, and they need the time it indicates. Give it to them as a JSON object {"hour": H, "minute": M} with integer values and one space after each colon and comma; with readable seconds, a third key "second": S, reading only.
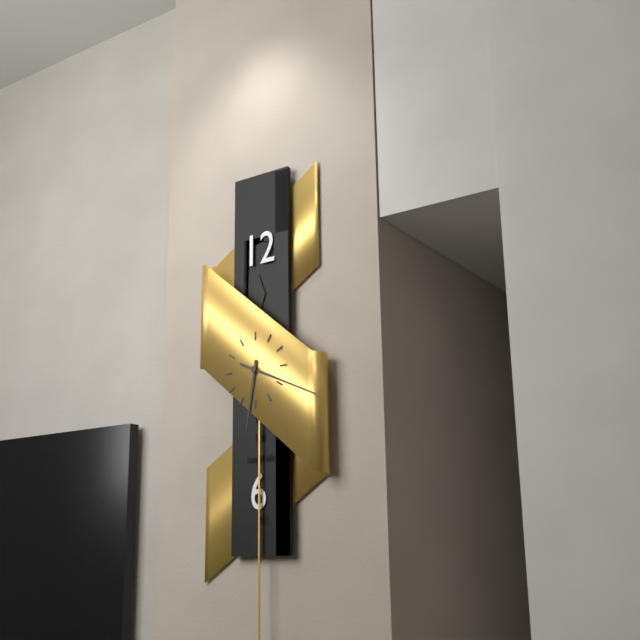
{"hour": 6, "minute": 19}
